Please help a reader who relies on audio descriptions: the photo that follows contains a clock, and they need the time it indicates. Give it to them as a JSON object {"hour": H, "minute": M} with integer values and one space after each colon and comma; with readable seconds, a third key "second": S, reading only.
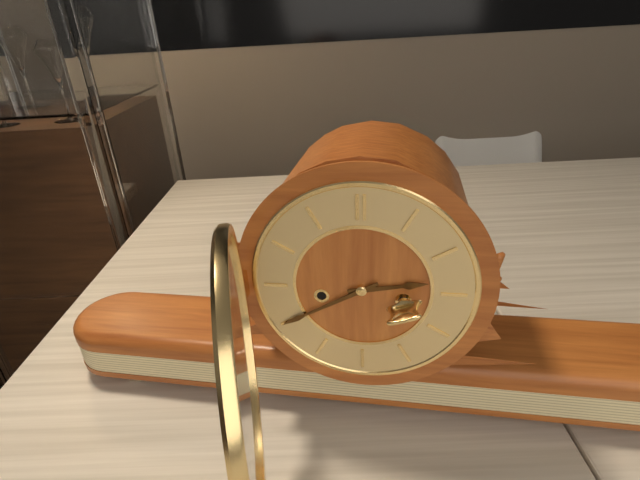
{"hour": 2, "minute": 40}
